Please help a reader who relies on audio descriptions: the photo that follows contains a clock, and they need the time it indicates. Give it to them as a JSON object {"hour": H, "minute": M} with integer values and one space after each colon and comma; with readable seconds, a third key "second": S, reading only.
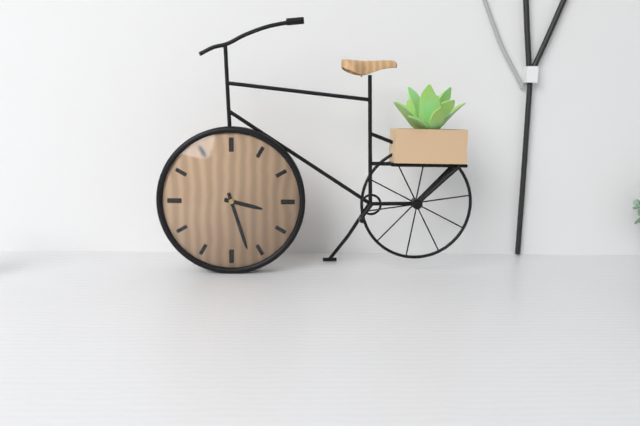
{"hour": 3, "minute": 27}
